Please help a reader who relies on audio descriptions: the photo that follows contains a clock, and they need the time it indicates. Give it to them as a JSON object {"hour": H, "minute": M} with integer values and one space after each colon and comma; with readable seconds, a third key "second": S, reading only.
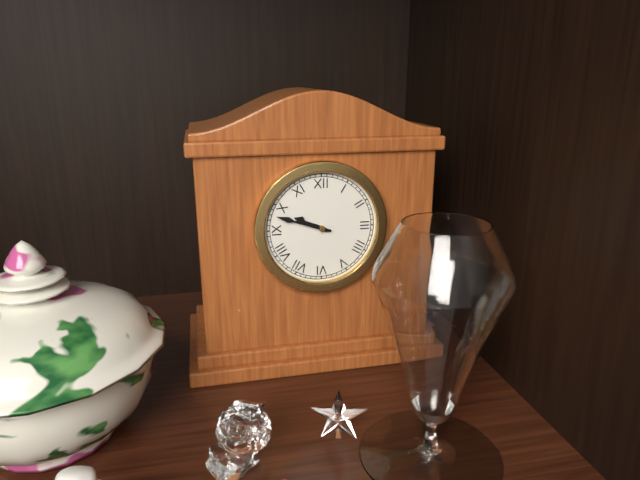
{"hour": 9, "minute": 48}
